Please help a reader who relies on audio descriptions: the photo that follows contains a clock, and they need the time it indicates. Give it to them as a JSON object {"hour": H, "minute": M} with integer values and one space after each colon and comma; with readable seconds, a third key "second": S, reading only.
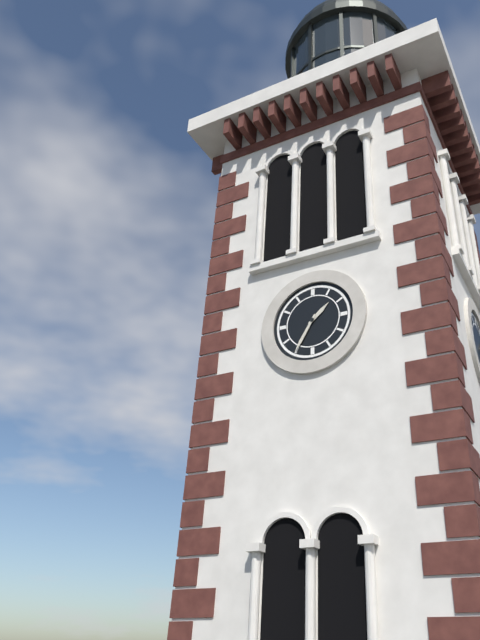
{"hour": 1, "minute": 35}
